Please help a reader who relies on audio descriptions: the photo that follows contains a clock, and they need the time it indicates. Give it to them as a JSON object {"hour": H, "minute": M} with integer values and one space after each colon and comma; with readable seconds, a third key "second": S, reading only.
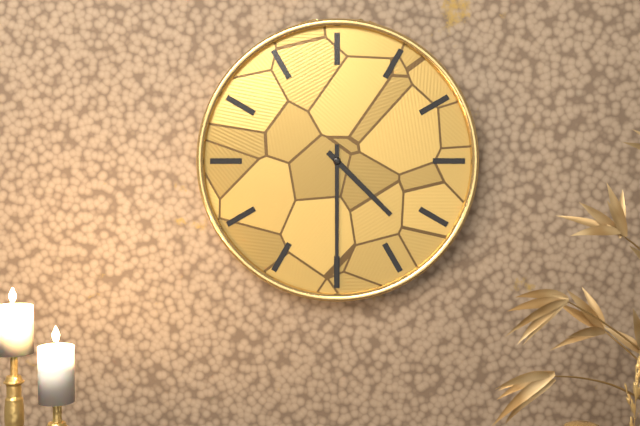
{"hour": 4, "minute": 30}
